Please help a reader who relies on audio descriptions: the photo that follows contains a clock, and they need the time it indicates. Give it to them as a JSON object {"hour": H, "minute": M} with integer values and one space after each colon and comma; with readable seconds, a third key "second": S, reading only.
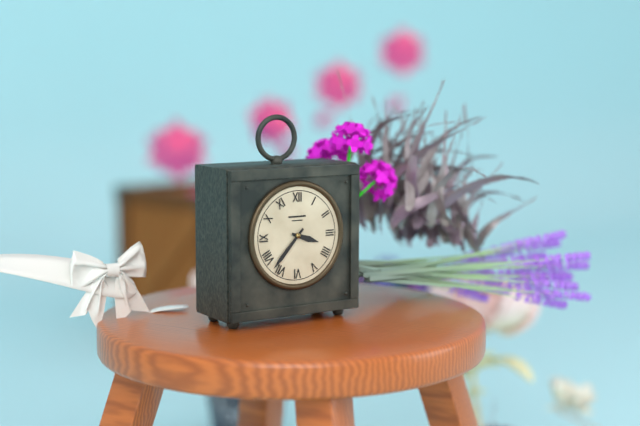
{"hour": 3, "minute": 37}
